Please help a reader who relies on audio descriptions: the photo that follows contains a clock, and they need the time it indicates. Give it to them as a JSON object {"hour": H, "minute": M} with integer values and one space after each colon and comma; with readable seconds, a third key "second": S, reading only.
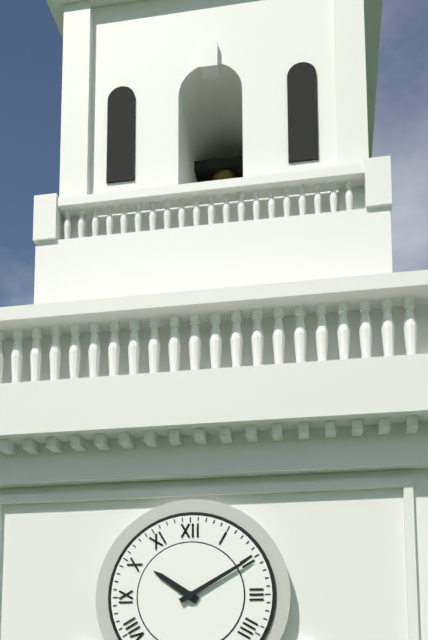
{"hour": 10, "minute": 10}
